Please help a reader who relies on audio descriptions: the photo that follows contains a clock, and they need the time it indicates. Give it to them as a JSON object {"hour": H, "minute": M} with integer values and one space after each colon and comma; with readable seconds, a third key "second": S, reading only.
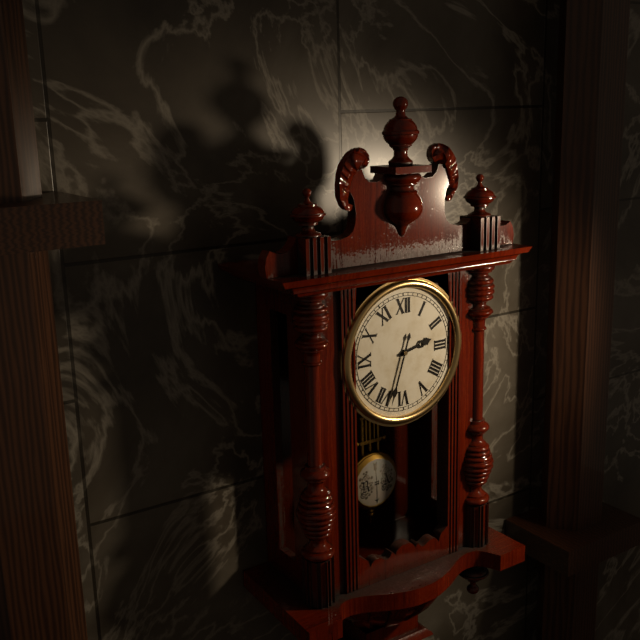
{"hour": 2, "minute": 33}
